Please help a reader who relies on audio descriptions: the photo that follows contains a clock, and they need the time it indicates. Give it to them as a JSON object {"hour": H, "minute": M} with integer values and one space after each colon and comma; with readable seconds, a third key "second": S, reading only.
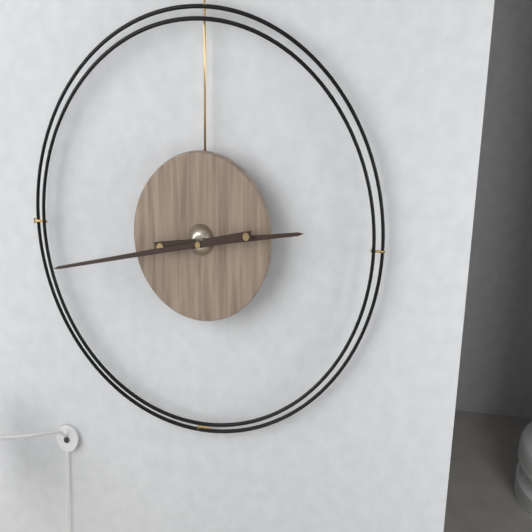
{"hour": 2, "minute": 43}
